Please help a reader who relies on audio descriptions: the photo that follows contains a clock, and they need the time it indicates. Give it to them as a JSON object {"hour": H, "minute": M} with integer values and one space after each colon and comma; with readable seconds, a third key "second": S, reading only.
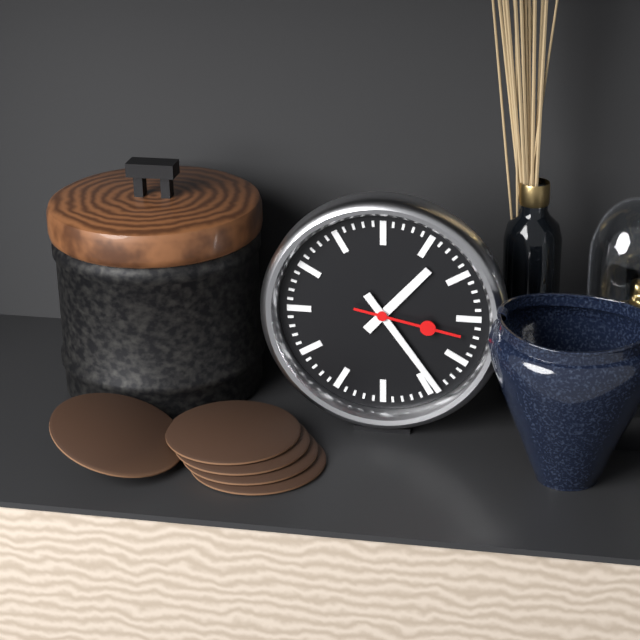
{"hour": 1, "minute": 24, "second": 17}
